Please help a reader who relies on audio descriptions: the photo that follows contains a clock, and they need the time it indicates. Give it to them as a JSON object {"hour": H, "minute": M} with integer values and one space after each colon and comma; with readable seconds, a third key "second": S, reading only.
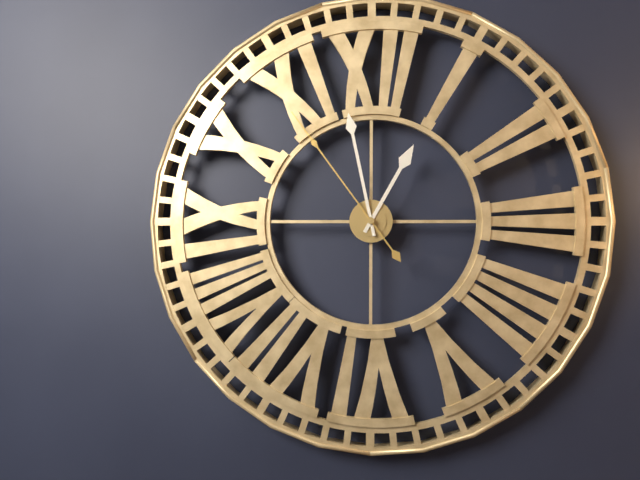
{"hour": 12, "minute": 58, "second": 54}
